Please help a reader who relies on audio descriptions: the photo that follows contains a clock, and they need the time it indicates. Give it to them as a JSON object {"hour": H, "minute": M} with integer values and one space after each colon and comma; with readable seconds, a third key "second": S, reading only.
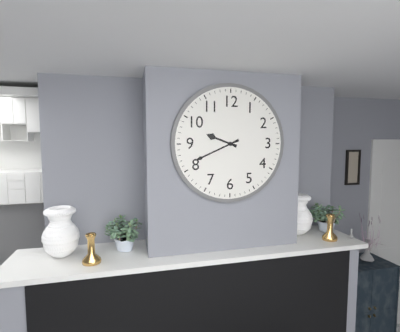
{"hour": 9, "minute": 41}
